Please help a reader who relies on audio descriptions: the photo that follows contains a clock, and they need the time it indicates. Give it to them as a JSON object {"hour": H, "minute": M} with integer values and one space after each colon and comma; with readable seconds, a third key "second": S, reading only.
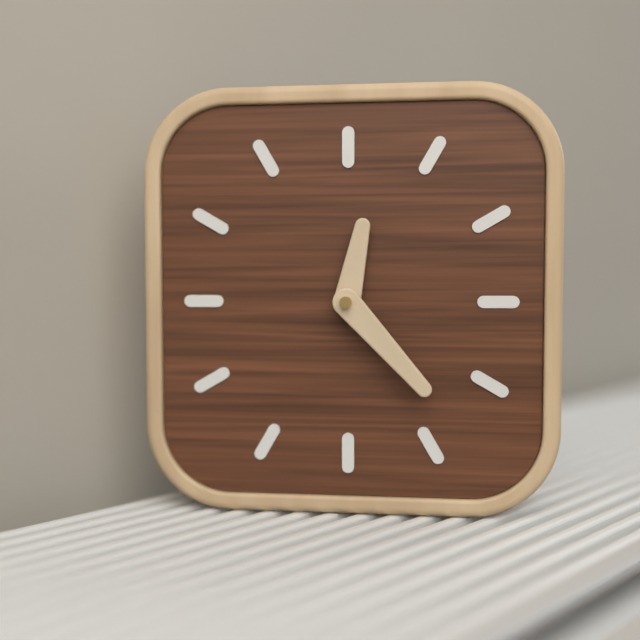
{"hour": 12, "minute": 23}
